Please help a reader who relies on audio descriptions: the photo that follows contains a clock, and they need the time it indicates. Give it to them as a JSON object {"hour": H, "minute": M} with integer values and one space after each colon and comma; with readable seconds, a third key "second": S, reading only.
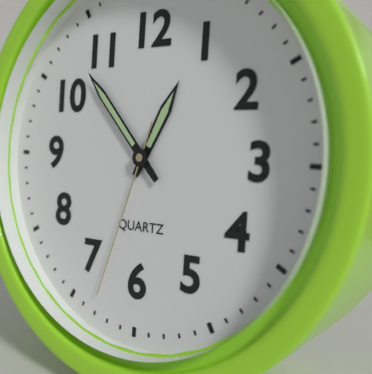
{"hour": 12, "minute": 53, "second": 33}
